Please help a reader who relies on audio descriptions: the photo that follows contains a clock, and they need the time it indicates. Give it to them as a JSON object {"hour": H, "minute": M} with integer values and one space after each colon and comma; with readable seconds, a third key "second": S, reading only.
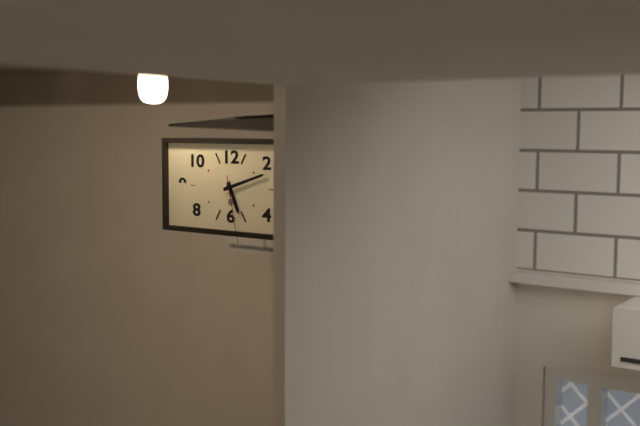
{"hour": 5, "minute": 12, "second": 28}
